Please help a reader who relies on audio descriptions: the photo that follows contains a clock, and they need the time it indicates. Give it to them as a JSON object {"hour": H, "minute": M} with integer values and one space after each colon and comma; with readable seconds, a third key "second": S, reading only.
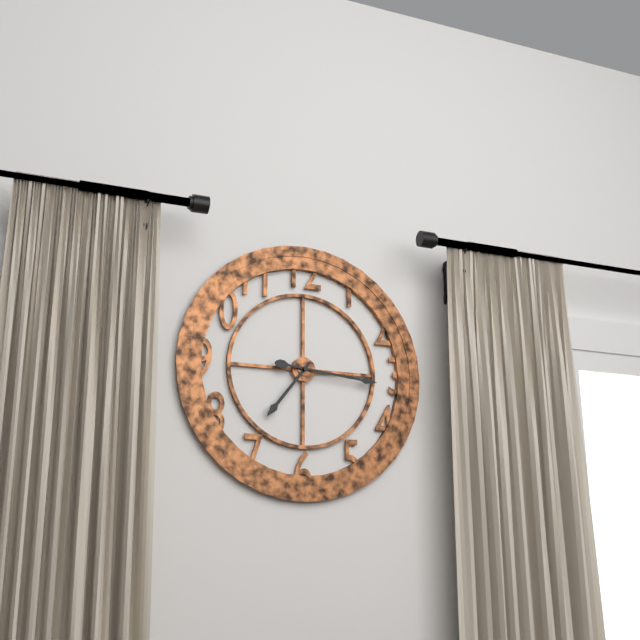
{"hour": 7, "minute": 16}
